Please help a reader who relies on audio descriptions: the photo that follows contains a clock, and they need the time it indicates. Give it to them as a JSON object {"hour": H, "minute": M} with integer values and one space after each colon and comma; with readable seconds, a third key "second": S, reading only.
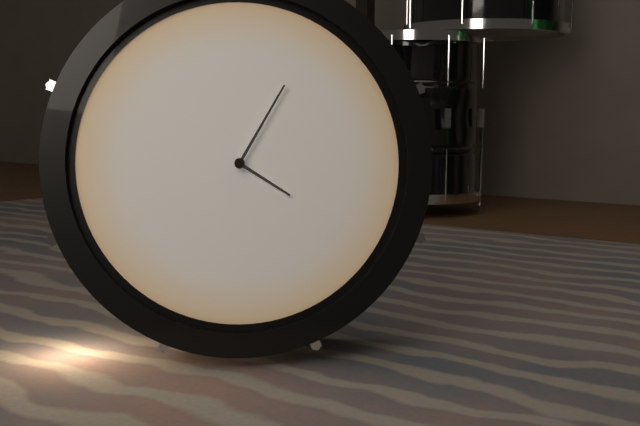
{"hour": 4, "minute": 5}
